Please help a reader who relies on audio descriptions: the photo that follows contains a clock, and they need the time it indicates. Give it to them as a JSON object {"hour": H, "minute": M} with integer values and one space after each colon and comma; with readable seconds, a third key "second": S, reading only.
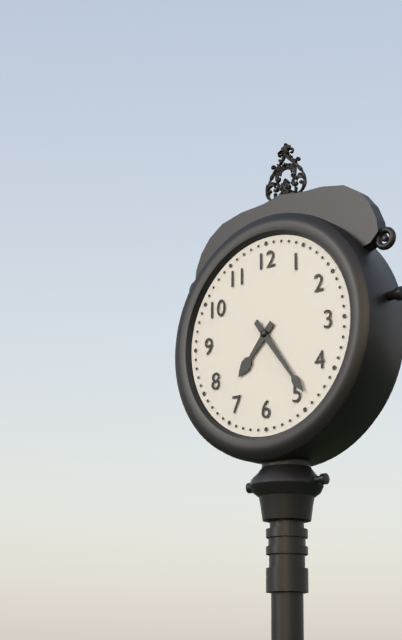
{"hour": 7, "minute": 24}
